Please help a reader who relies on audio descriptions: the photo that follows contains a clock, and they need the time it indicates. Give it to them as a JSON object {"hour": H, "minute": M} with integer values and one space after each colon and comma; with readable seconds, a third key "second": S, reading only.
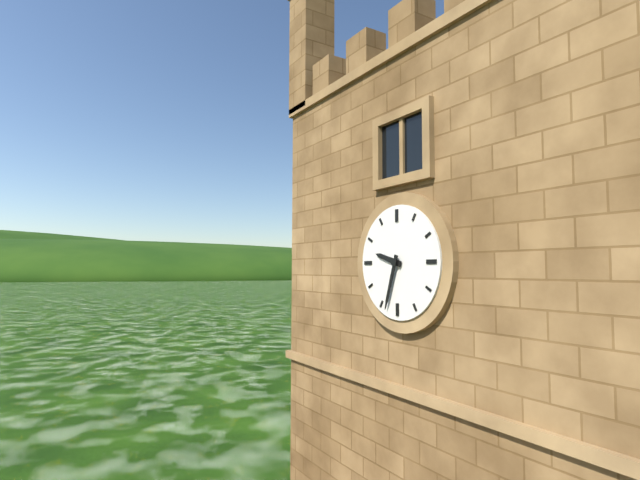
{"hour": 9, "minute": 33}
